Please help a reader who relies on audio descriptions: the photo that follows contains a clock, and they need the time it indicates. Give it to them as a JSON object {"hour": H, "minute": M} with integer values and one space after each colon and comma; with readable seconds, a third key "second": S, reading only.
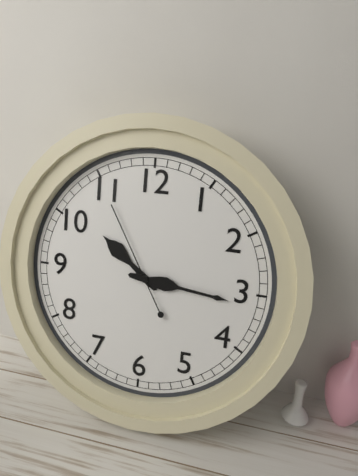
{"hour": 10, "minute": 16, "second": 55}
